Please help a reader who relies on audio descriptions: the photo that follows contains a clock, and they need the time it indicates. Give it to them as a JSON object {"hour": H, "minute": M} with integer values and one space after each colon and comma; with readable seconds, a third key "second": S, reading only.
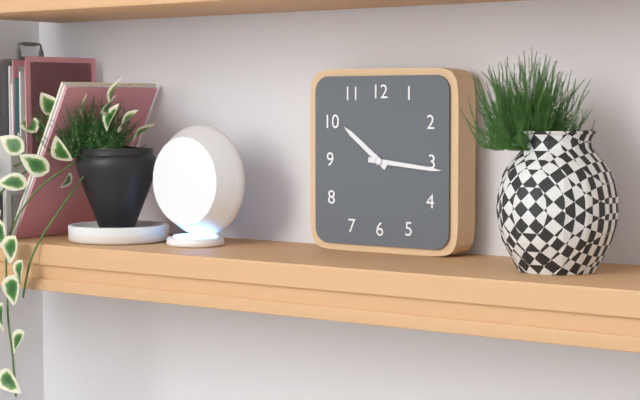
{"hour": 10, "minute": 16}
